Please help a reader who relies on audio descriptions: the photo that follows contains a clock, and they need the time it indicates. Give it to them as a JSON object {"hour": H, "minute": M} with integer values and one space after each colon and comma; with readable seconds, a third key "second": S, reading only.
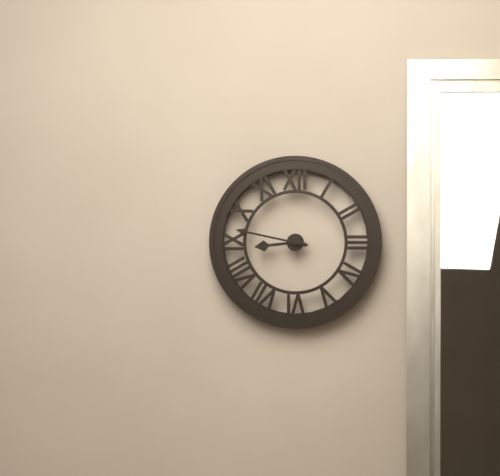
{"hour": 8, "minute": 47}
